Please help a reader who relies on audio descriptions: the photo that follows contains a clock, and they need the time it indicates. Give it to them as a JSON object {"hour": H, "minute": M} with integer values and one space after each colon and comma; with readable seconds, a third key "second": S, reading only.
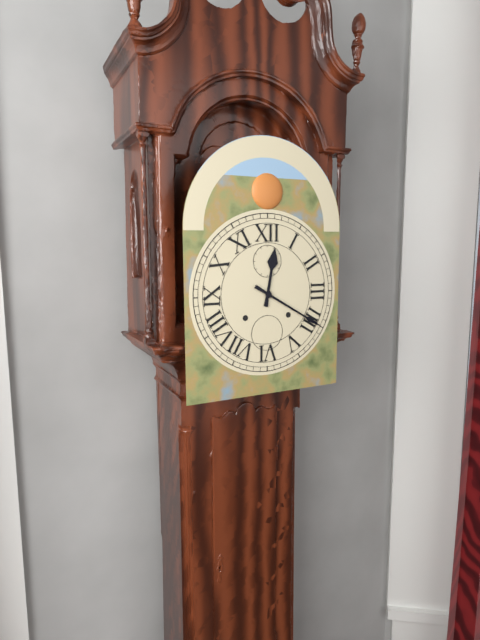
{"hour": 12, "minute": 20}
